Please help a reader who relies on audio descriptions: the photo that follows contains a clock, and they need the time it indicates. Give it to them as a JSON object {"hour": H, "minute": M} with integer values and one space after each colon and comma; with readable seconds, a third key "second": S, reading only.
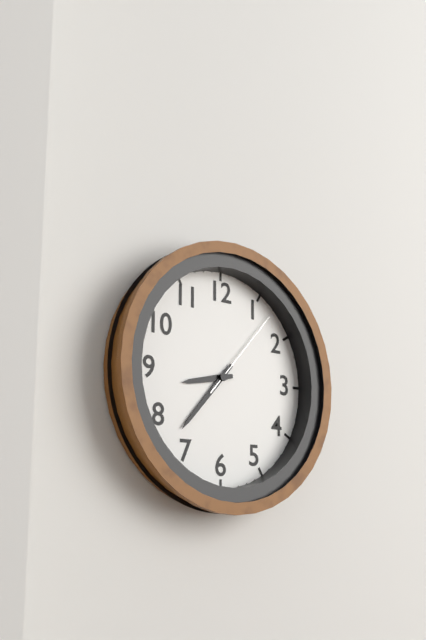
{"hour": 8, "minute": 37, "second": 7}
